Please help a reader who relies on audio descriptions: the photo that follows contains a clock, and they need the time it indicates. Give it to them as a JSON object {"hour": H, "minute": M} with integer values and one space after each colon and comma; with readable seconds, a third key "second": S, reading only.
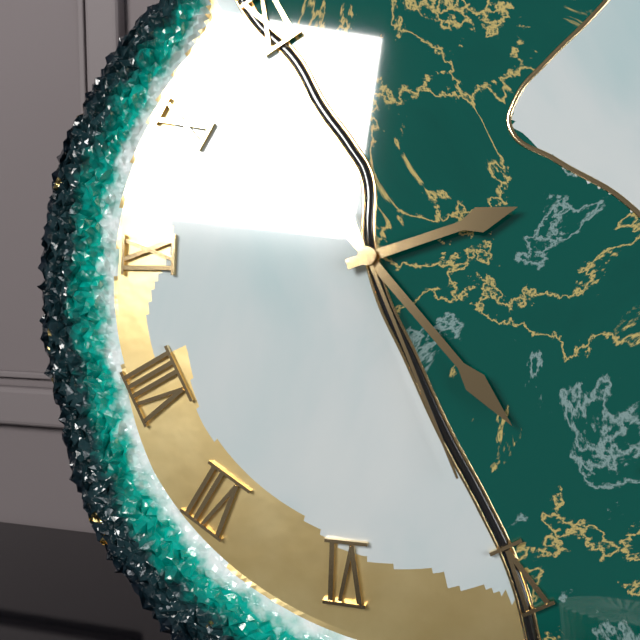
{"hour": 2, "minute": 23, "second": 26}
